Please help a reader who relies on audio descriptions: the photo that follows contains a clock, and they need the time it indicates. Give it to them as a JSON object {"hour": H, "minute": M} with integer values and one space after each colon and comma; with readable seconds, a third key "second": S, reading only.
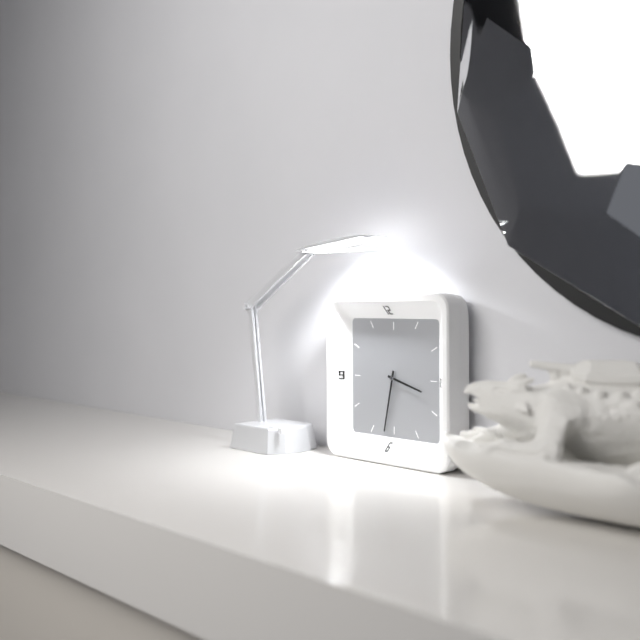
{"hour": 3, "minute": 32}
